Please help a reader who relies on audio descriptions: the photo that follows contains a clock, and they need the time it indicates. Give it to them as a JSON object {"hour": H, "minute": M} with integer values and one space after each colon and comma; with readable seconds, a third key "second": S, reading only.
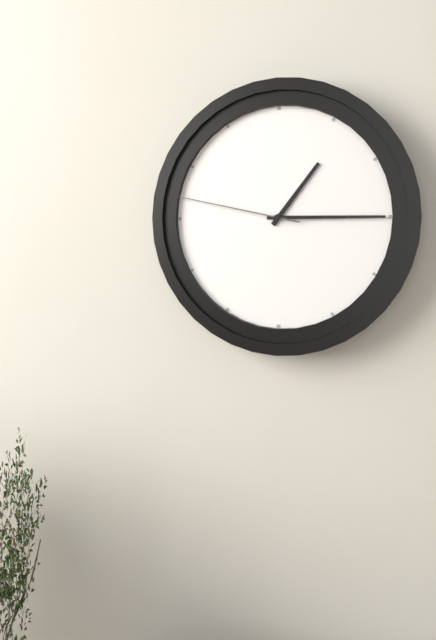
{"hour": 1, "minute": 15, "second": 47}
